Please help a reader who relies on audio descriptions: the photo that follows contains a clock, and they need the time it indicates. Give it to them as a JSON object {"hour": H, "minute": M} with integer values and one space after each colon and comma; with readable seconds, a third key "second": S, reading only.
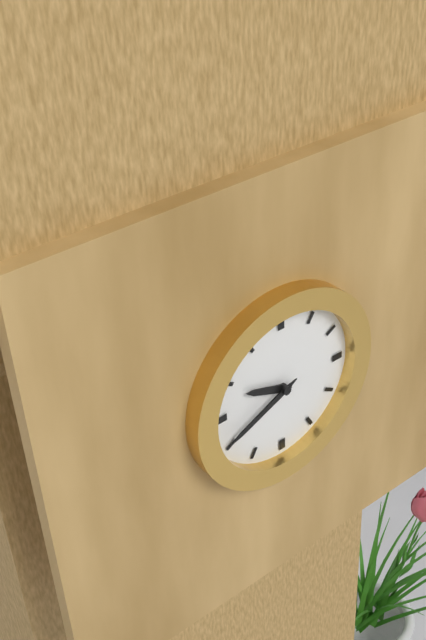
{"hour": 9, "minute": 41}
